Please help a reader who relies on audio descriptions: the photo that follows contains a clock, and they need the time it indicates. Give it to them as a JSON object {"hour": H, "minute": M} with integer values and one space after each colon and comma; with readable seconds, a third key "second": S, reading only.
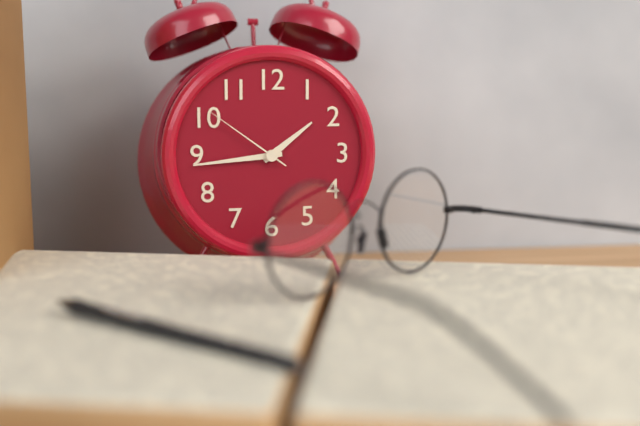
{"hour": 1, "minute": 44, "second": 51}
